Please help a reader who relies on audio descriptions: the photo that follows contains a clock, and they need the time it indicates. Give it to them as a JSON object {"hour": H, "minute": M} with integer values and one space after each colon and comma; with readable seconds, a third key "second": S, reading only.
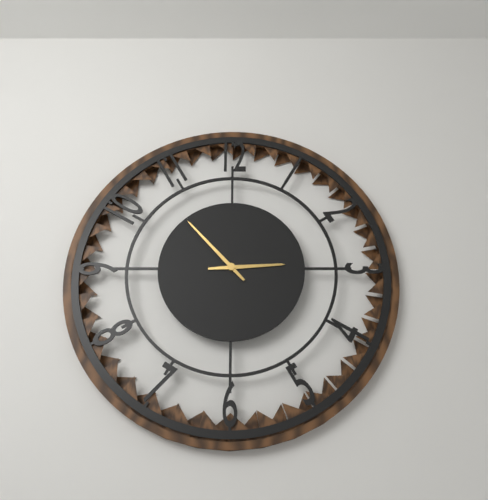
{"hour": 2, "minute": 53}
